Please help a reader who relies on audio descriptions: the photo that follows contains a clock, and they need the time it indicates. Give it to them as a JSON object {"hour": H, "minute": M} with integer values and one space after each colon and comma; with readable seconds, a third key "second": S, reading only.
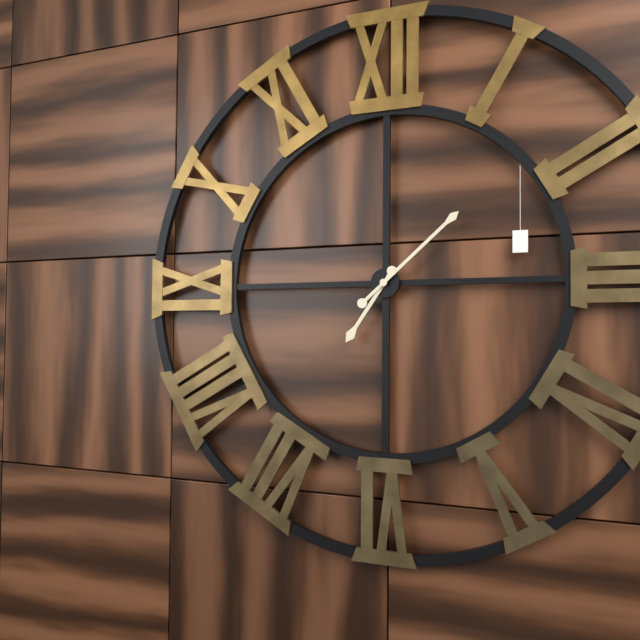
{"hour": 7, "minute": 8}
